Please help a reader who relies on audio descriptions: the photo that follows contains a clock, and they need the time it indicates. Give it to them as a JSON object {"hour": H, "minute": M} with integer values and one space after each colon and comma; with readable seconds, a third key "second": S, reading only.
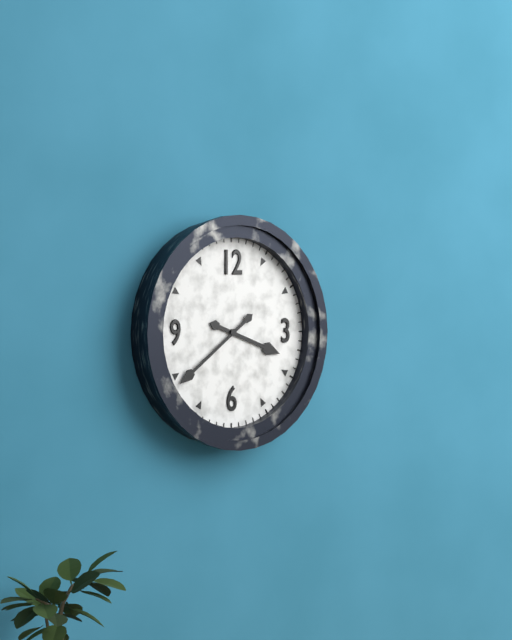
{"hour": 3, "minute": 39}
